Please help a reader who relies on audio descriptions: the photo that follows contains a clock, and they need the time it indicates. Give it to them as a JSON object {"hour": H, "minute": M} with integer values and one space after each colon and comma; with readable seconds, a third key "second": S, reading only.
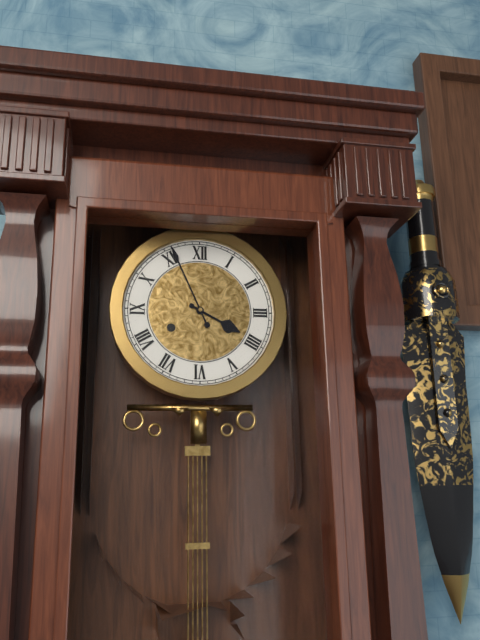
{"hour": 3, "minute": 56}
